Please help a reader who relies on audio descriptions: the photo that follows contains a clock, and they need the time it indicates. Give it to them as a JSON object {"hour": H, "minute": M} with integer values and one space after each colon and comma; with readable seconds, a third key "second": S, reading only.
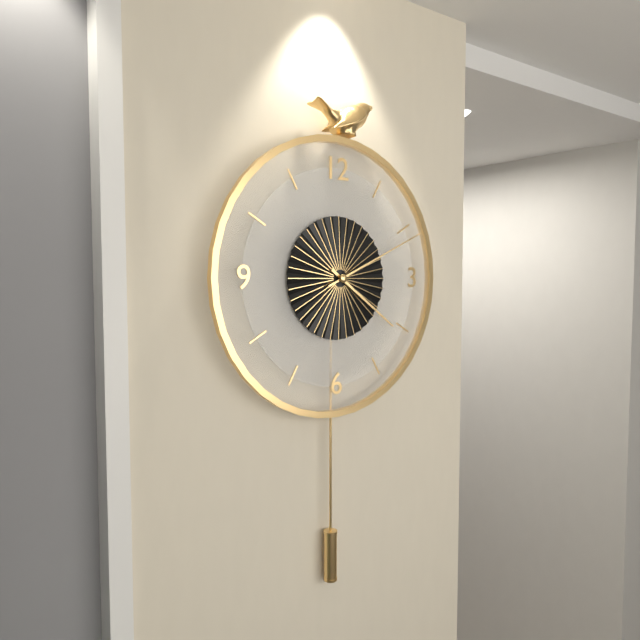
{"hour": 4, "minute": 11}
